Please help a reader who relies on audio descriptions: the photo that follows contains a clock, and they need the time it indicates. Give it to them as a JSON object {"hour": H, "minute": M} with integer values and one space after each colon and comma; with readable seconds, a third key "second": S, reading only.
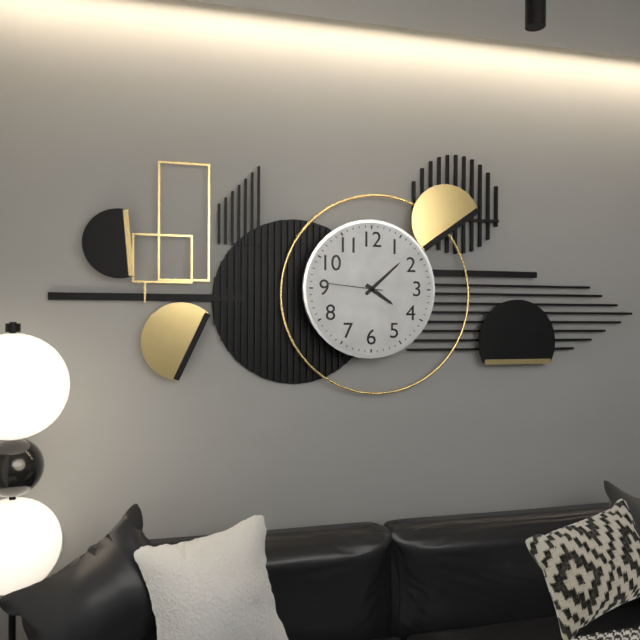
{"hour": 4, "minute": 8, "second": 46}
